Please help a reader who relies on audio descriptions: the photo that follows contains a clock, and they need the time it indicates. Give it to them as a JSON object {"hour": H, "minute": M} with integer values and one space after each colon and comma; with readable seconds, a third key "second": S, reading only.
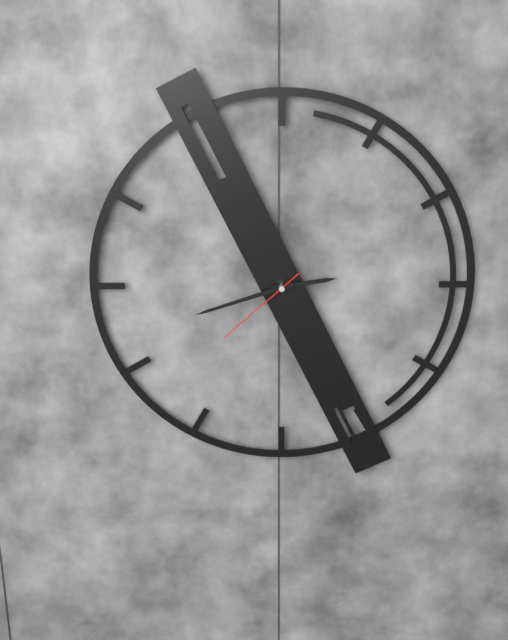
{"hour": 2, "minute": 42, "second": 38}
